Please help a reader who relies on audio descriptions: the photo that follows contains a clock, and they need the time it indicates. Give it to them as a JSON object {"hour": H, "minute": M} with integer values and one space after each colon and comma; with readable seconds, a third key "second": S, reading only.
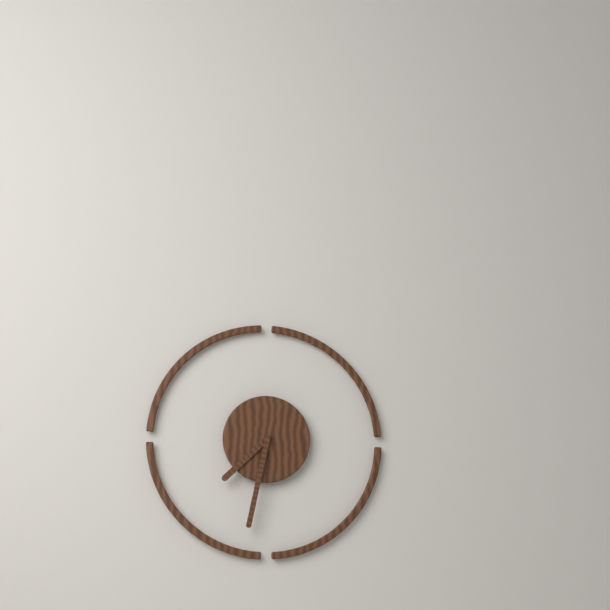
{"hour": 7, "minute": 32}
